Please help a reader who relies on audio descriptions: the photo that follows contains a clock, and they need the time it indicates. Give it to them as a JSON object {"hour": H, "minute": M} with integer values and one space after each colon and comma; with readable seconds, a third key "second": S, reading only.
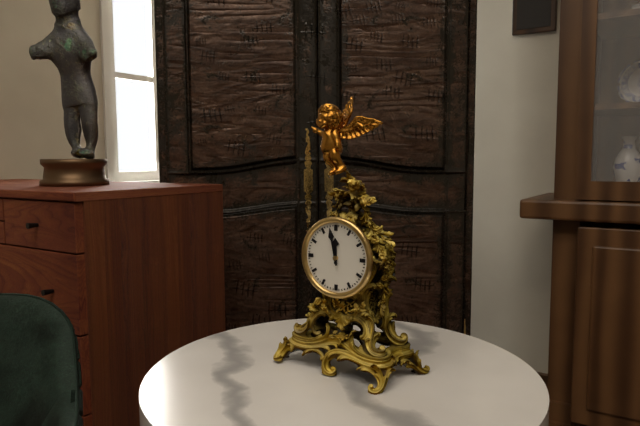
{"hour": 11, "minute": 58}
